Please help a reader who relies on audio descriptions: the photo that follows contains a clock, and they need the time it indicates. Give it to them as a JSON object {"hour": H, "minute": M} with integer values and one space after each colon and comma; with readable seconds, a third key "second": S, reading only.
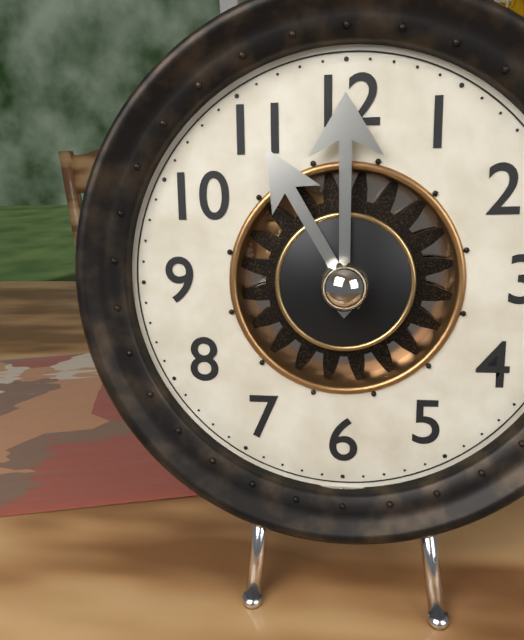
{"hour": 11, "minute": 0}
